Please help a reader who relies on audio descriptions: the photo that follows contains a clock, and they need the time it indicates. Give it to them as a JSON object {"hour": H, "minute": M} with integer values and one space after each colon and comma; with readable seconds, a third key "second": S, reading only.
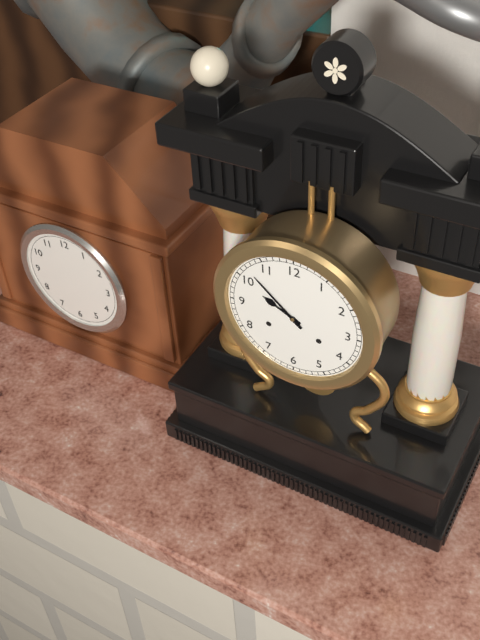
{"hour": 9, "minute": 52}
